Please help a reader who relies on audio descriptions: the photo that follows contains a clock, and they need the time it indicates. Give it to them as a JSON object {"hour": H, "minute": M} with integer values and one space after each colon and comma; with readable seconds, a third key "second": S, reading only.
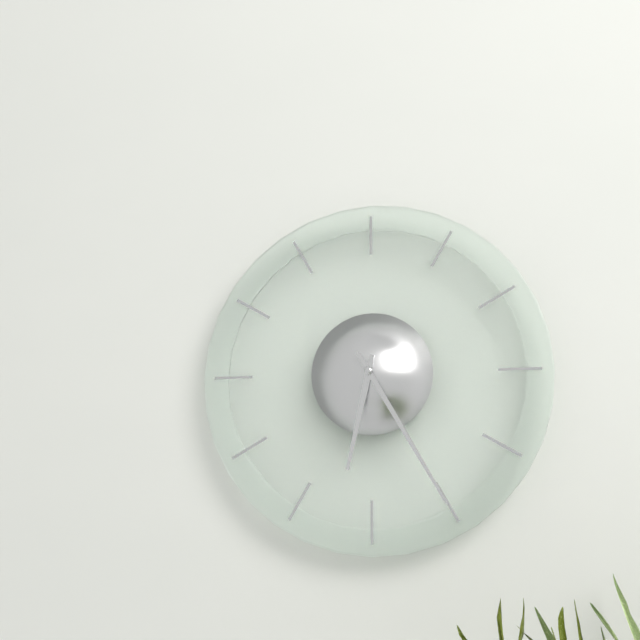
{"hour": 6, "minute": 25}
